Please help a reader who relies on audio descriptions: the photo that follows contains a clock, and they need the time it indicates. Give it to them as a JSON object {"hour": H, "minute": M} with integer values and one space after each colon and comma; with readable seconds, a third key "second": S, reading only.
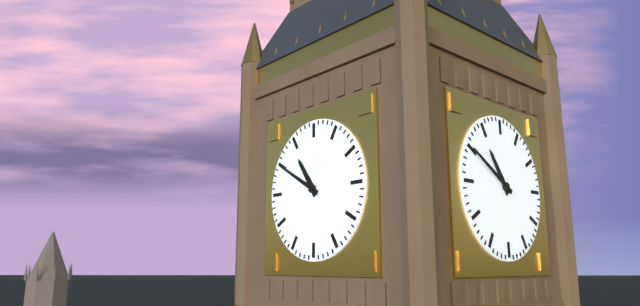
{"hour": 10, "minute": 50}
